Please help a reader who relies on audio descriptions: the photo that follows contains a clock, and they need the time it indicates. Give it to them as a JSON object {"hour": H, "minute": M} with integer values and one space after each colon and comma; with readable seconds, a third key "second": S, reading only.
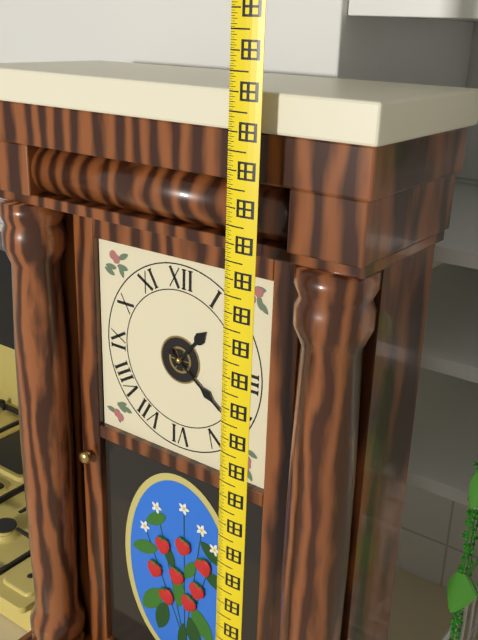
{"hour": 1, "minute": 21}
